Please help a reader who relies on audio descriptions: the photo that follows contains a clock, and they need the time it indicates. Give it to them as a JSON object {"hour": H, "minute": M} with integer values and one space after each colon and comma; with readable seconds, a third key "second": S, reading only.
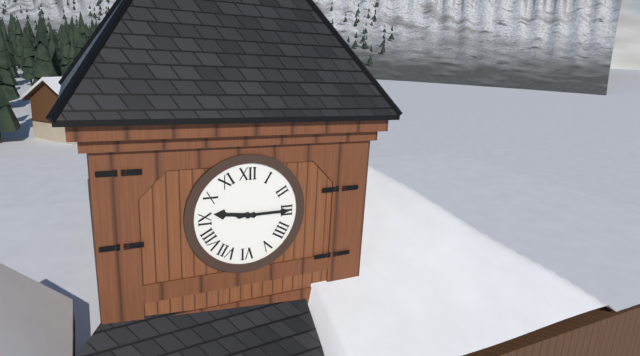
{"hour": 9, "minute": 15}
